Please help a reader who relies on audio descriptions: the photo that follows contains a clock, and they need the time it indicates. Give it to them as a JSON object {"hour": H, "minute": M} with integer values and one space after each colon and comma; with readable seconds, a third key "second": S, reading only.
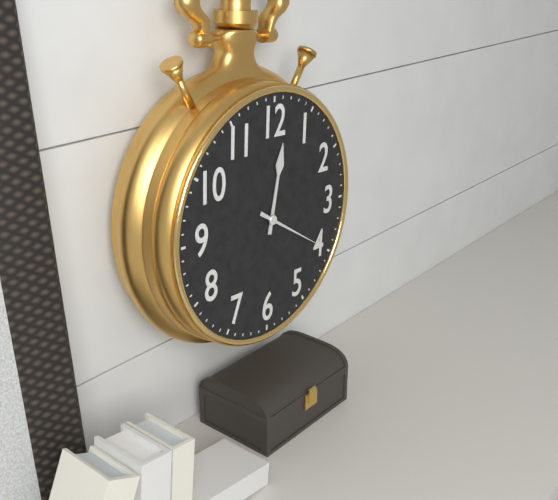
{"hour": 12, "minute": 20}
